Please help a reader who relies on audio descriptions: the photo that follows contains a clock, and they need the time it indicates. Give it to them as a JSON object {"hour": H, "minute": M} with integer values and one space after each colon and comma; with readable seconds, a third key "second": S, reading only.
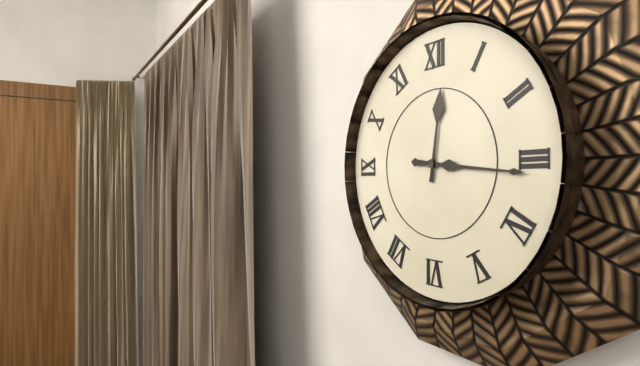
{"hour": 12, "minute": 16}
